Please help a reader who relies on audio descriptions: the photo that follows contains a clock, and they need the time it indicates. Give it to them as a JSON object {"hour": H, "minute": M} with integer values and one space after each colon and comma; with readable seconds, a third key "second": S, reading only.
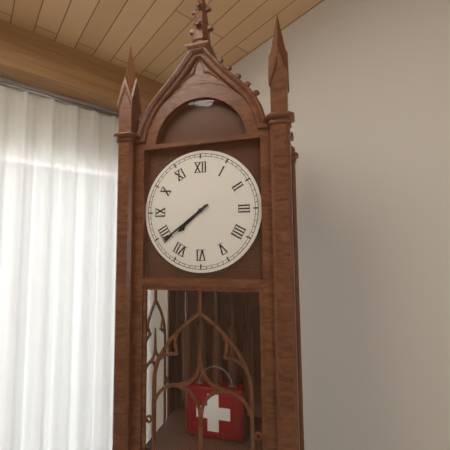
{"hour": 7, "minute": 39}
